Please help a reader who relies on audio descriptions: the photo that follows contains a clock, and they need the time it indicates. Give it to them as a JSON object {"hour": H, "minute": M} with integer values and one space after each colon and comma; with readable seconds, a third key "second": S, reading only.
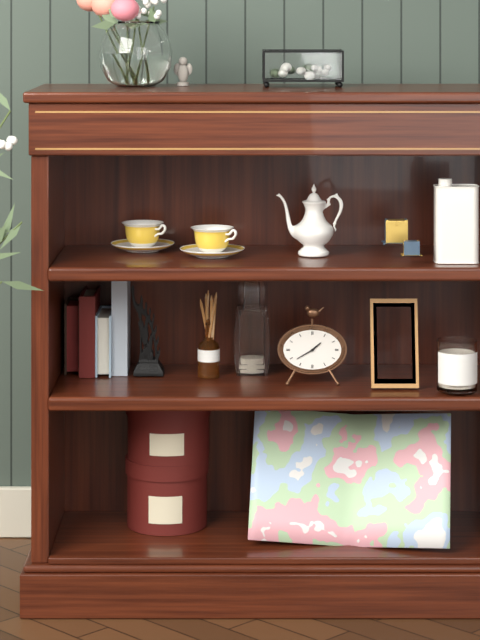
{"hour": 1, "minute": 40}
